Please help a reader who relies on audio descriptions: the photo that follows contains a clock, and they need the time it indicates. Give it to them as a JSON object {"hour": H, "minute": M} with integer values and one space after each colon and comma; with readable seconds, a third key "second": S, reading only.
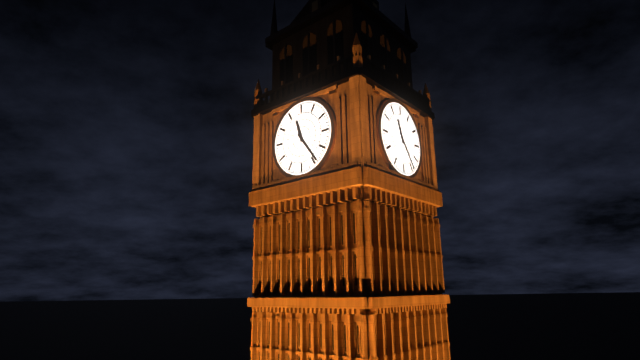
{"hour": 11, "minute": 24}
